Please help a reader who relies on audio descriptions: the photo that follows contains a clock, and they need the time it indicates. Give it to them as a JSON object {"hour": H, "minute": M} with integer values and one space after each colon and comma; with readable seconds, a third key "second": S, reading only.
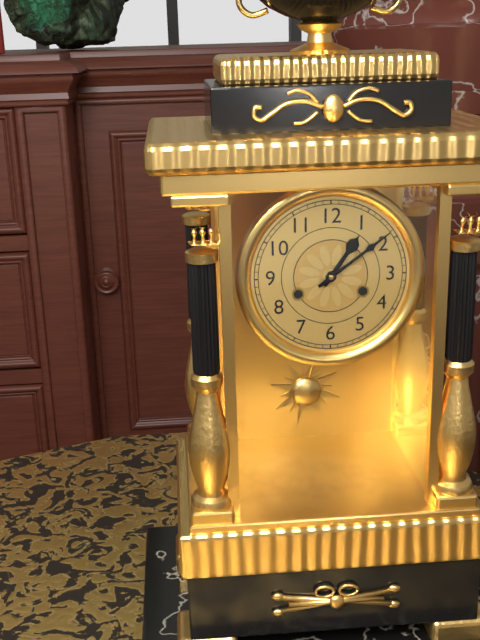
{"hour": 1, "minute": 9}
